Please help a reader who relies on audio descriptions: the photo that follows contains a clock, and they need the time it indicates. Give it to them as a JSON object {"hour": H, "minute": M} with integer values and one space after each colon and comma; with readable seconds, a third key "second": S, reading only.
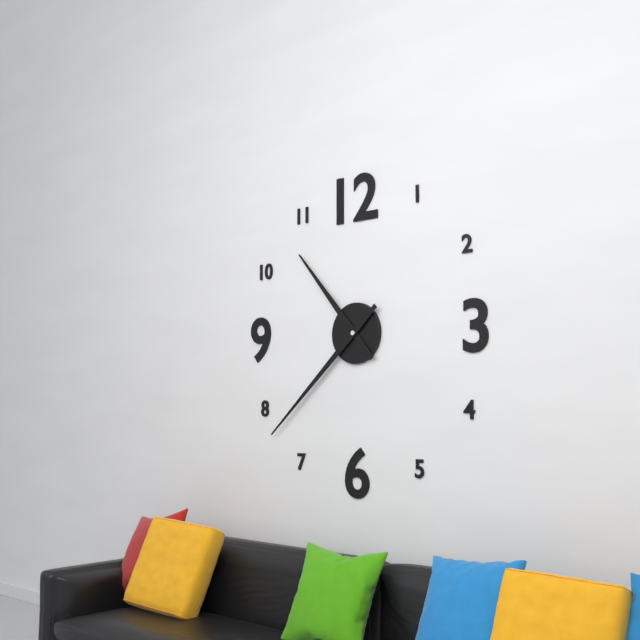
{"hour": 10, "minute": 38}
